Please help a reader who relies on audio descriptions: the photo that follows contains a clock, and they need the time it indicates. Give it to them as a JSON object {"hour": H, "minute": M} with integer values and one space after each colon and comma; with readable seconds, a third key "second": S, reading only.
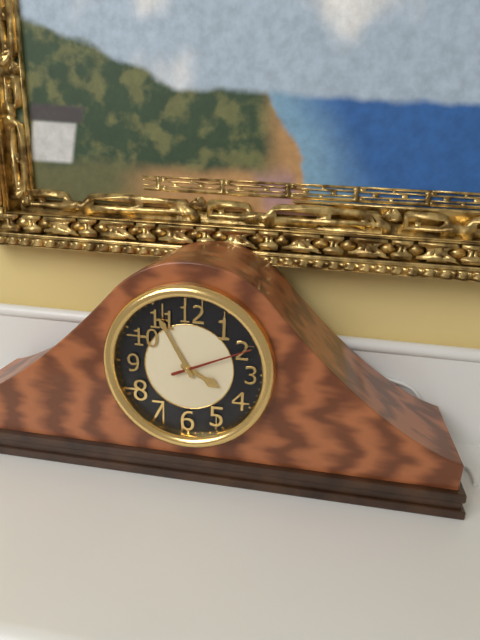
{"hour": 3, "minute": 55, "second": 11}
